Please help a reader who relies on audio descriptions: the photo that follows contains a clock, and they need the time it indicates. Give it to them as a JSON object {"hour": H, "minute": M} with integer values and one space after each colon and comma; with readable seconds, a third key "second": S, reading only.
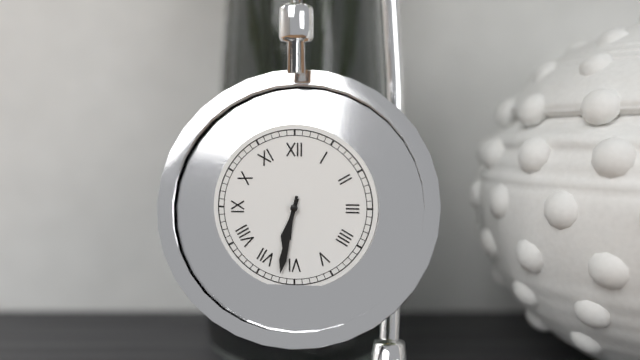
{"hour": 6, "minute": 32}
